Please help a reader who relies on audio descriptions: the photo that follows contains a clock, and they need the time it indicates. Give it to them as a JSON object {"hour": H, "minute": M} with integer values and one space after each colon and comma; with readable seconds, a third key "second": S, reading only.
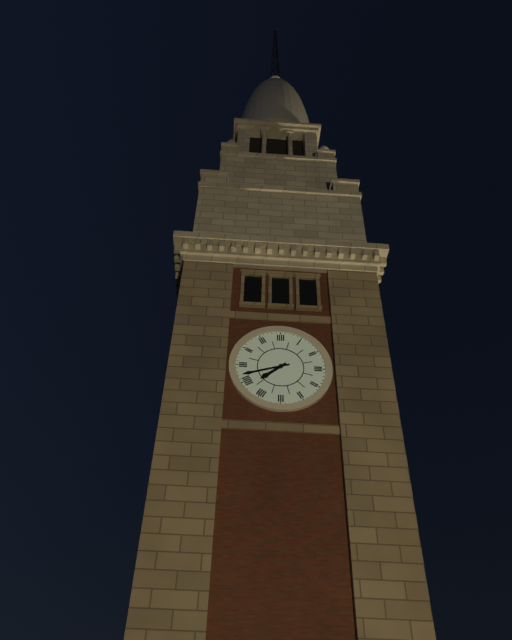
{"hour": 7, "minute": 42}
